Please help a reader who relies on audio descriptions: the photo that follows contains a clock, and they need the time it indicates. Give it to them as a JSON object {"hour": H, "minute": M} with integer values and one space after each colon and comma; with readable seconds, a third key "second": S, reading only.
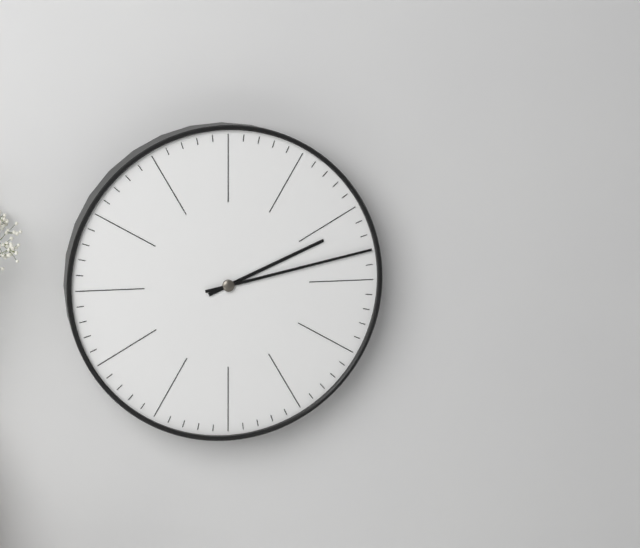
{"hour": 2, "minute": 13}
